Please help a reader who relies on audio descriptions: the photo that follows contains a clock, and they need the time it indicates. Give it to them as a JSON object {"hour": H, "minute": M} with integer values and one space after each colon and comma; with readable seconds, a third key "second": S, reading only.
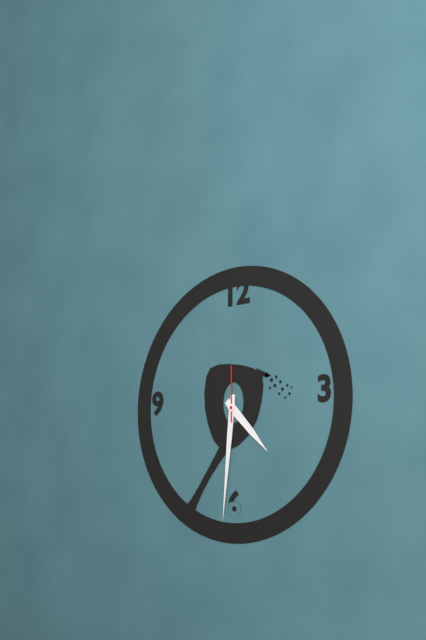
{"hour": 4, "minute": 31, "second": 0}
